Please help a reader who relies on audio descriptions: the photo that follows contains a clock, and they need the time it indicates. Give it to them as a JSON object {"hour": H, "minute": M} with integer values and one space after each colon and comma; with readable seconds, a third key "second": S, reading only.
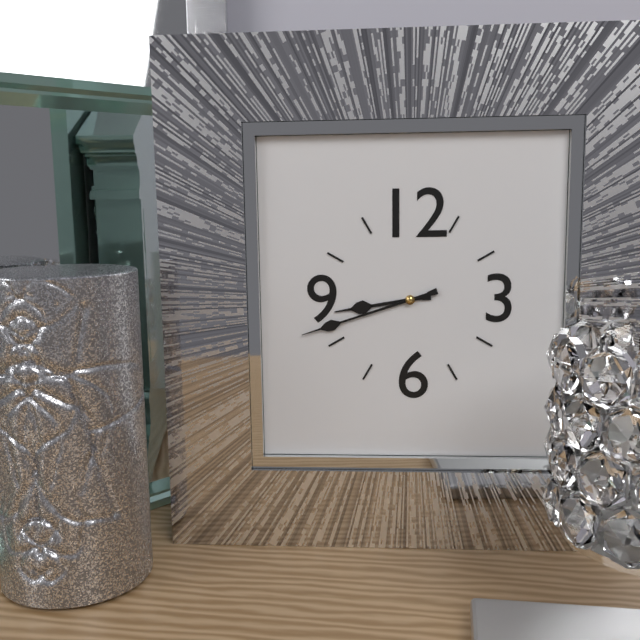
{"hour": 8, "minute": 42}
